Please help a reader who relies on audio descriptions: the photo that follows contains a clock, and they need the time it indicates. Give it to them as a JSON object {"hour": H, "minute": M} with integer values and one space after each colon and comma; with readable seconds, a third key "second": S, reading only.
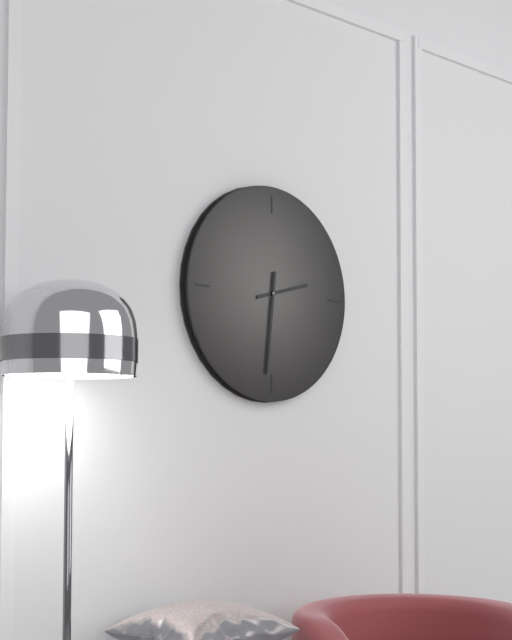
{"hour": 2, "minute": 31}
